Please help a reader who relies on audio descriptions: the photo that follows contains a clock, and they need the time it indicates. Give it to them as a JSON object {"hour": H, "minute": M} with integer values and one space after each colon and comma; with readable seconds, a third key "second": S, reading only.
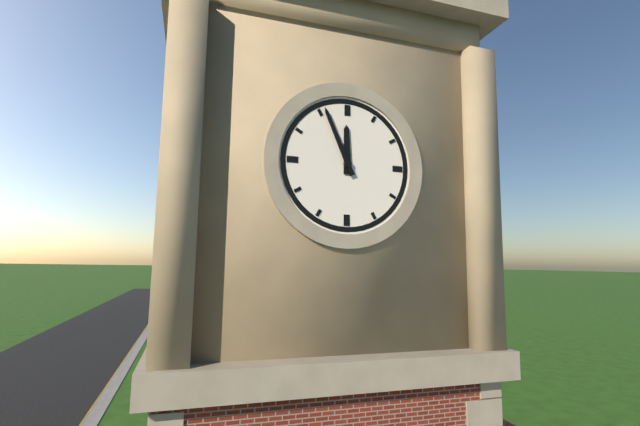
{"hour": 11, "minute": 56}
